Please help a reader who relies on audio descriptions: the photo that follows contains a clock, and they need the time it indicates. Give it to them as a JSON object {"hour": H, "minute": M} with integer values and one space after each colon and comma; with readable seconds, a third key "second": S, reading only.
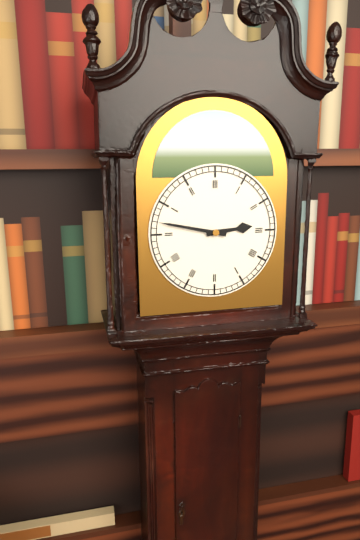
{"hour": 2, "minute": 47}
